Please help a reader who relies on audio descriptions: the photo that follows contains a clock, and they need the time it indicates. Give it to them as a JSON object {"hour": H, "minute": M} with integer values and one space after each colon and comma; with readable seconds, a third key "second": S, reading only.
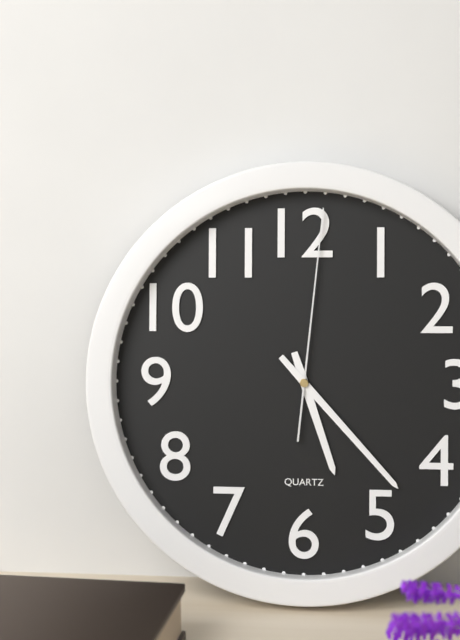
{"hour": 5, "minute": 23, "second": 1}
